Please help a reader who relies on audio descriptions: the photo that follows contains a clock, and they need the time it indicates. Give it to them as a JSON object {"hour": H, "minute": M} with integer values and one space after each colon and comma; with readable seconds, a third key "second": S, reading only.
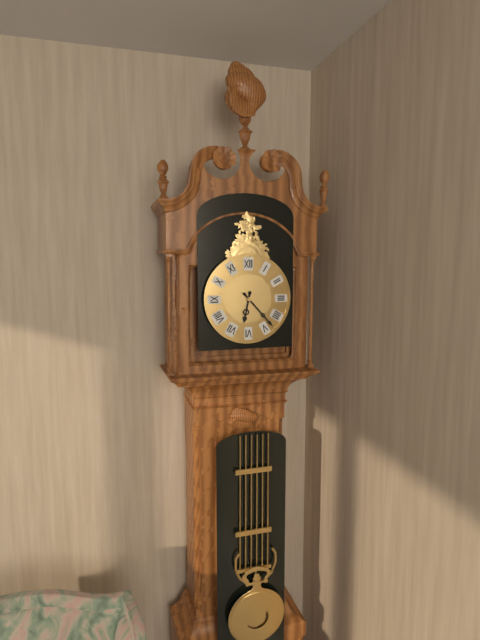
{"hour": 6, "minute": 23}
